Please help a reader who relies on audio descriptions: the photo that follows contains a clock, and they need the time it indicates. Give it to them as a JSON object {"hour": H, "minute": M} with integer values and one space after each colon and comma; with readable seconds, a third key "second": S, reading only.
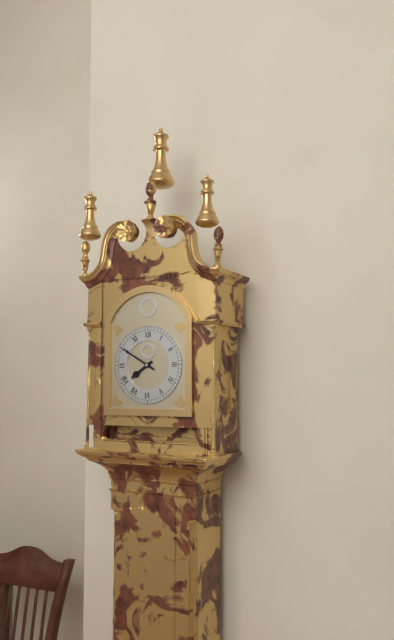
{"hour": 7, "minute": 50}
